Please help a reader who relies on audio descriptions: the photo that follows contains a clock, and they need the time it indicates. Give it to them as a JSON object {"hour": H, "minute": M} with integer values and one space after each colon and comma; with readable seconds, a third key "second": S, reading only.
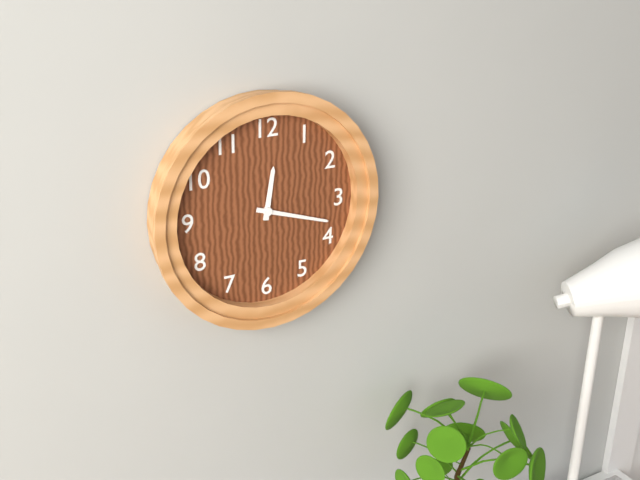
{"hour": 12, "minute": 18}
